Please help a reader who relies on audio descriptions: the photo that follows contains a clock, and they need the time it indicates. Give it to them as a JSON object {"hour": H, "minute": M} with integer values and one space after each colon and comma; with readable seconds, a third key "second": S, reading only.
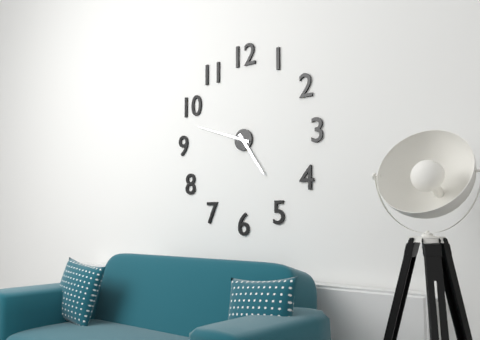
{"hour": 4, "minute": 48}
